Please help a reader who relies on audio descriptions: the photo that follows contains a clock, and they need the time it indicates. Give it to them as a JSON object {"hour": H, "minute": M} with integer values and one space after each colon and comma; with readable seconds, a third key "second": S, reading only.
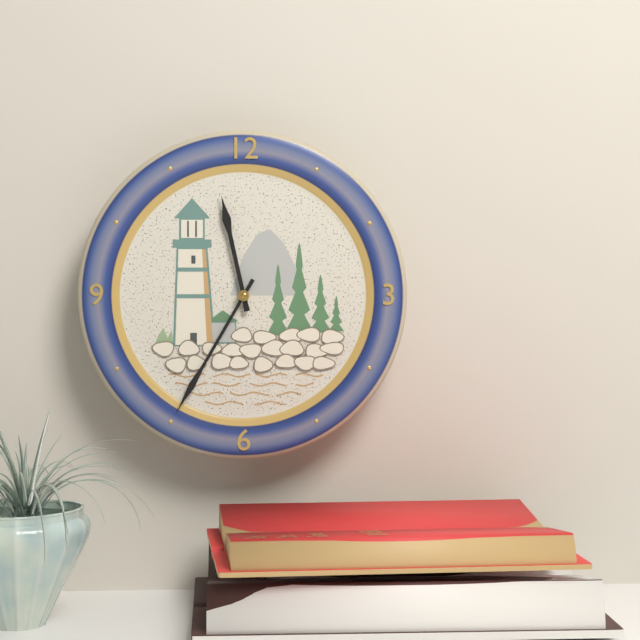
{"hour": 11, "minute": 35}
